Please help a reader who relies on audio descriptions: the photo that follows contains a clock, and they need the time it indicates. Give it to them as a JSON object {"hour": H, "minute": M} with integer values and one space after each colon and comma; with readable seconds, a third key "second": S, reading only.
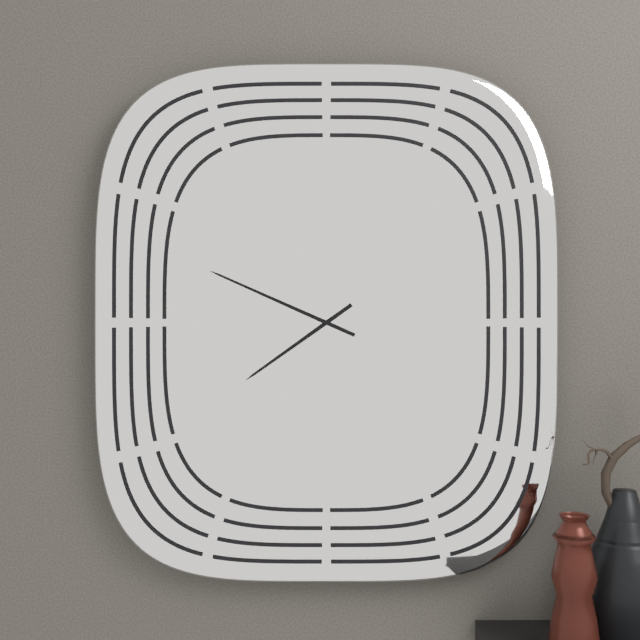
{"hour": 7, "minute": 49}
